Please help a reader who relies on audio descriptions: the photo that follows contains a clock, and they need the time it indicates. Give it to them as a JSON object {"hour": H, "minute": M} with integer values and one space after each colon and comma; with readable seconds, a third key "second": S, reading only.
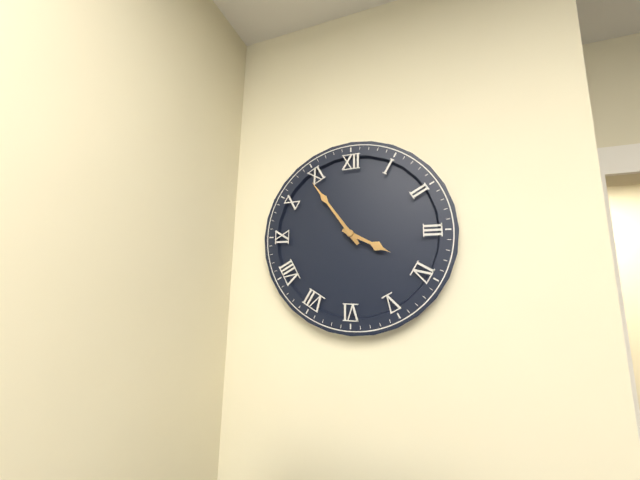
{"hour": 3, "minute": 54}
